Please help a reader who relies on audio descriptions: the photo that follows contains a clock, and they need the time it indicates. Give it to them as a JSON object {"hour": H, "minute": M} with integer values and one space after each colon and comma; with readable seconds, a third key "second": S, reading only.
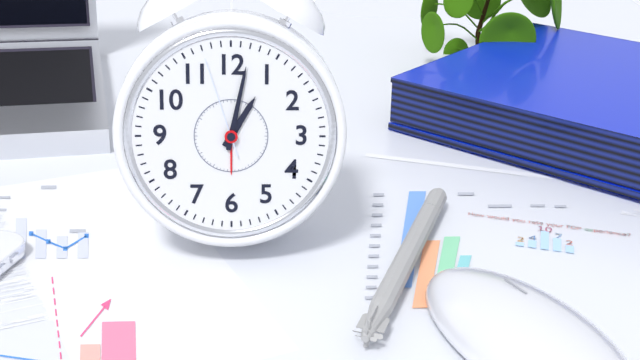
{"hour": 1, "minute": 2, "second": 57}
